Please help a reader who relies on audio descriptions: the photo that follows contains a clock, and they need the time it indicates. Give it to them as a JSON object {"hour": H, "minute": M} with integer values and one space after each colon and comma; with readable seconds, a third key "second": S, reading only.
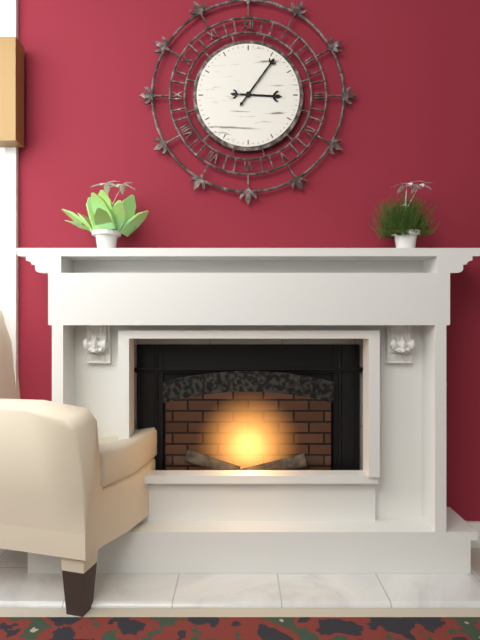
{"hour": 3, "minute": 6}
